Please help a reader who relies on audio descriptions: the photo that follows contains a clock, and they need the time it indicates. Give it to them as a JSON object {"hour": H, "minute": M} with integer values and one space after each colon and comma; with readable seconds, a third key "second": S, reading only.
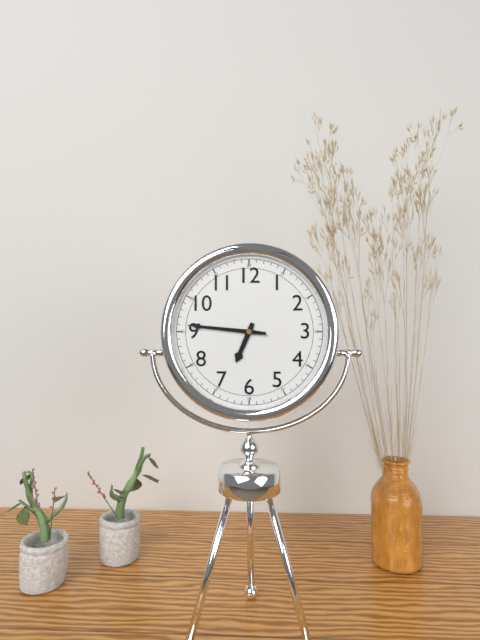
{"hour": 6, "minute": 46, "second": 46}
